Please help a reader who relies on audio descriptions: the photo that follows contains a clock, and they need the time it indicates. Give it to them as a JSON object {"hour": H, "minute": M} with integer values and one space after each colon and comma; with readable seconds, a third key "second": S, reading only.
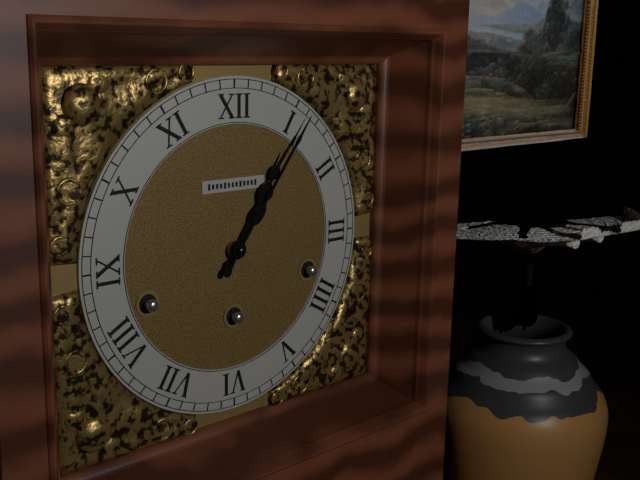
{"hour": 1, "minute": 6}
